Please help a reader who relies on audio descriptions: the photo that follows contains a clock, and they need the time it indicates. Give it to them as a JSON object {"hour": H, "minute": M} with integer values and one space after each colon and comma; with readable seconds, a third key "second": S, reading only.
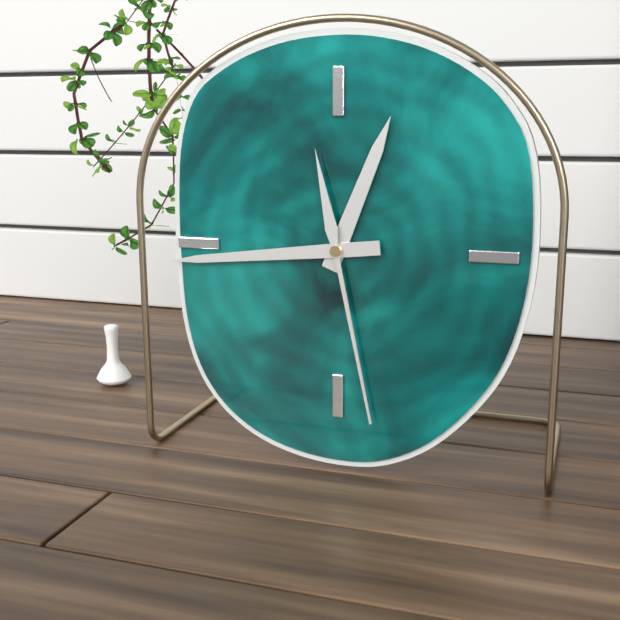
{"hour": 12, "minute": 44, "second": 28}
